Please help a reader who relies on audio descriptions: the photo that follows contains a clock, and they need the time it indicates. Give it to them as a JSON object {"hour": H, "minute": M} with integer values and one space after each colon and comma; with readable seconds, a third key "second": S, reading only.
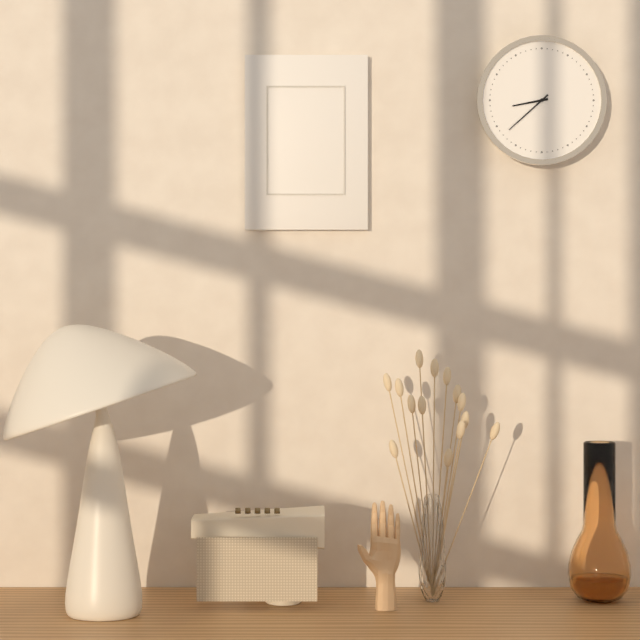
{"hour": 8, "minute": 38}
